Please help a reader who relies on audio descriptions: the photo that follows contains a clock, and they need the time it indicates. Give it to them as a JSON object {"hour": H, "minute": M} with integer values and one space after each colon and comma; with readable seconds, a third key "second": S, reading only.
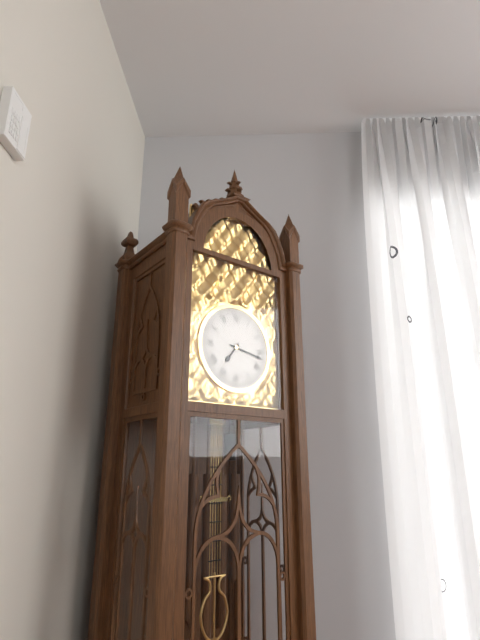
{"hour": 7, "minute": 17}
